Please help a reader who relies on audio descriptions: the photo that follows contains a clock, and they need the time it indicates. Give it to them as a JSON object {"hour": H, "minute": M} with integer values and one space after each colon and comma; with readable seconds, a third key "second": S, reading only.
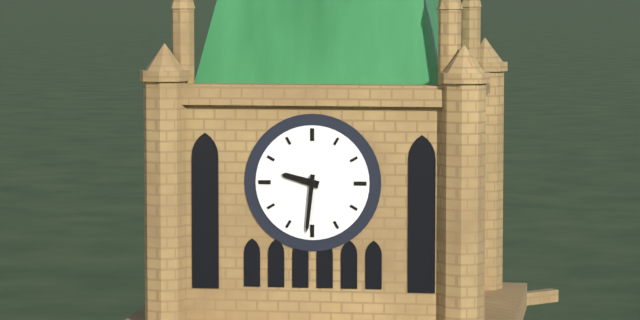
{"hour": 9, "minute": 31}
